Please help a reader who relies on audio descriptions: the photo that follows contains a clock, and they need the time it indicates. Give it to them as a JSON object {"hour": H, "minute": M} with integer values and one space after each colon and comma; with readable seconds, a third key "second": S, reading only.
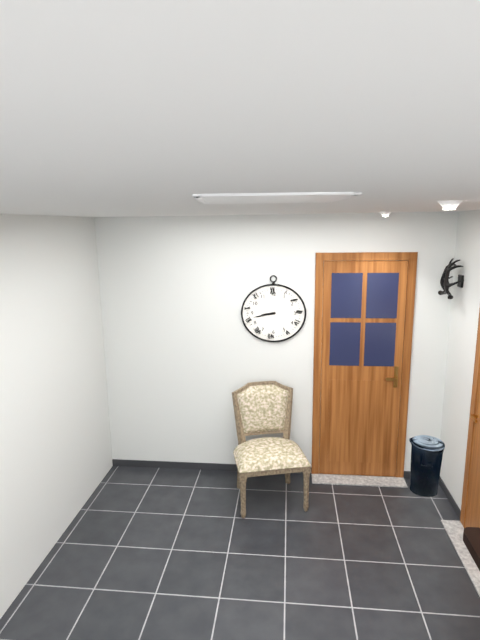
{"hour": 8, "minute": 43}
